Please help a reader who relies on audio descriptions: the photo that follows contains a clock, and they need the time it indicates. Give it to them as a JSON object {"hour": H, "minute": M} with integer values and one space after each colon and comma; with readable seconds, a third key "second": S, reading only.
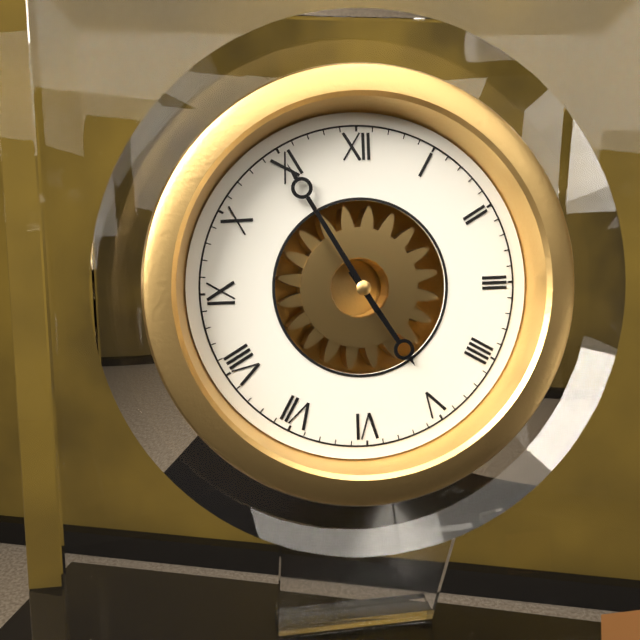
{"hour": 4, "minute": 55}
